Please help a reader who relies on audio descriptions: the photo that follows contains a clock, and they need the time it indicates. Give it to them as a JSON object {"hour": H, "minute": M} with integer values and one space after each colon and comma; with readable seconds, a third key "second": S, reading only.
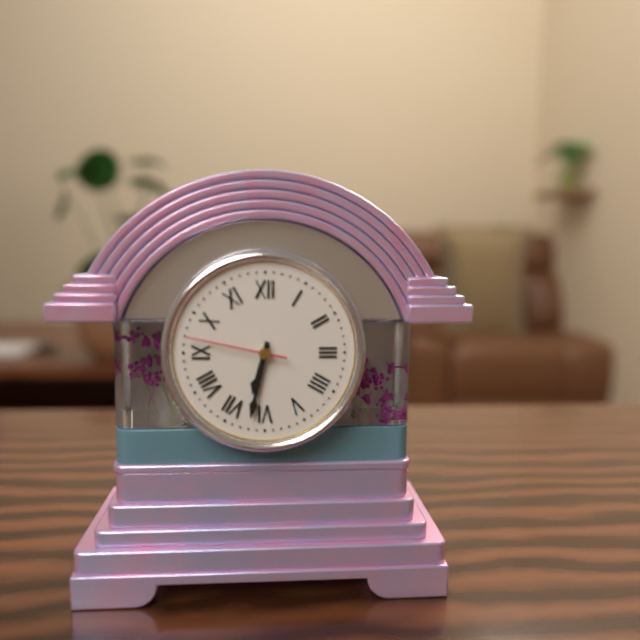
{"hour": 6, "minute": 32, "second": 47}
